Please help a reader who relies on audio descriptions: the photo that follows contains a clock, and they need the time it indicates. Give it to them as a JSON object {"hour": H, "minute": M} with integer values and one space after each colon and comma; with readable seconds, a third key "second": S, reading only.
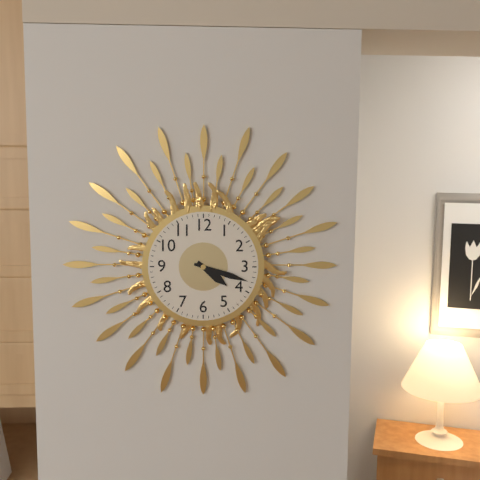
{"hour": 4, "minute": 18}
